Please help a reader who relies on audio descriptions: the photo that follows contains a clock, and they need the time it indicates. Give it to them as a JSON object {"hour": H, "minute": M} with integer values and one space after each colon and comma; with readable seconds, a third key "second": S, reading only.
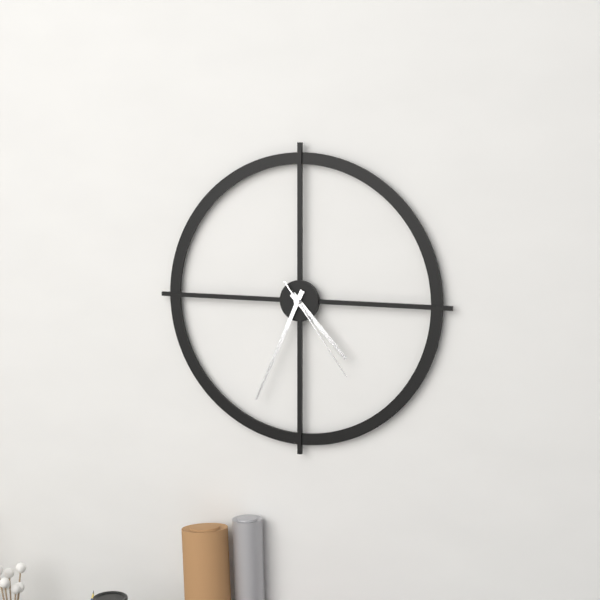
{"hour": 4, "minute": 34, "second": 24}
